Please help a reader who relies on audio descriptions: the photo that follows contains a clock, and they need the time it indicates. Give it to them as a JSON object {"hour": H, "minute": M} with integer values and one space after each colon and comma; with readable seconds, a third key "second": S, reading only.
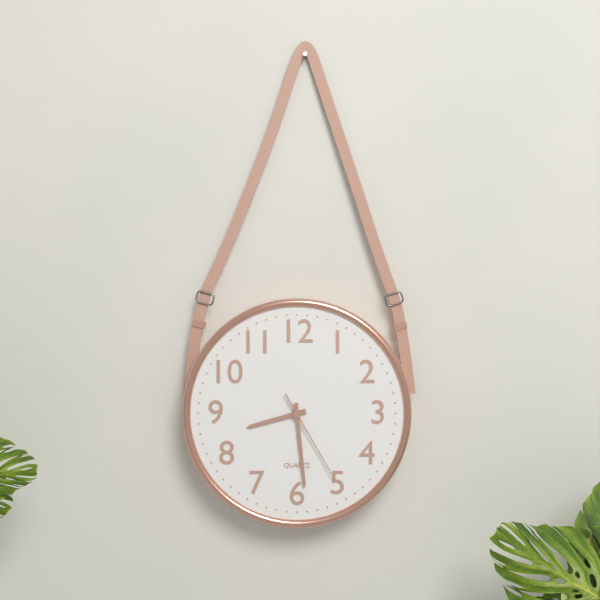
{"hour": 8, "minute": 29, "second": 25}
